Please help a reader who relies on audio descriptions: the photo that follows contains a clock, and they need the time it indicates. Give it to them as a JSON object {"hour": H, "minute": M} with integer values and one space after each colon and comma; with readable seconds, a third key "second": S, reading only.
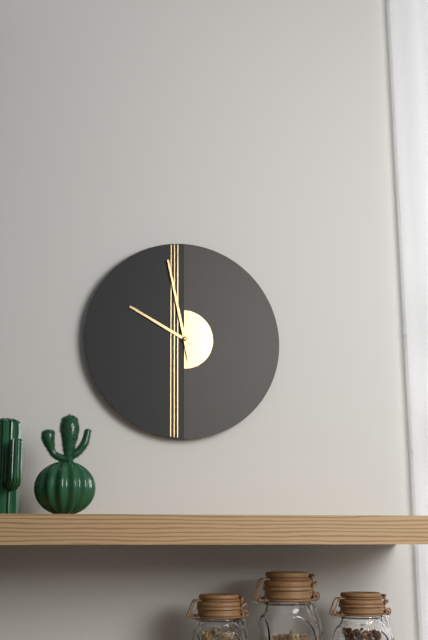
{"hour": 9, "minute": 58}
